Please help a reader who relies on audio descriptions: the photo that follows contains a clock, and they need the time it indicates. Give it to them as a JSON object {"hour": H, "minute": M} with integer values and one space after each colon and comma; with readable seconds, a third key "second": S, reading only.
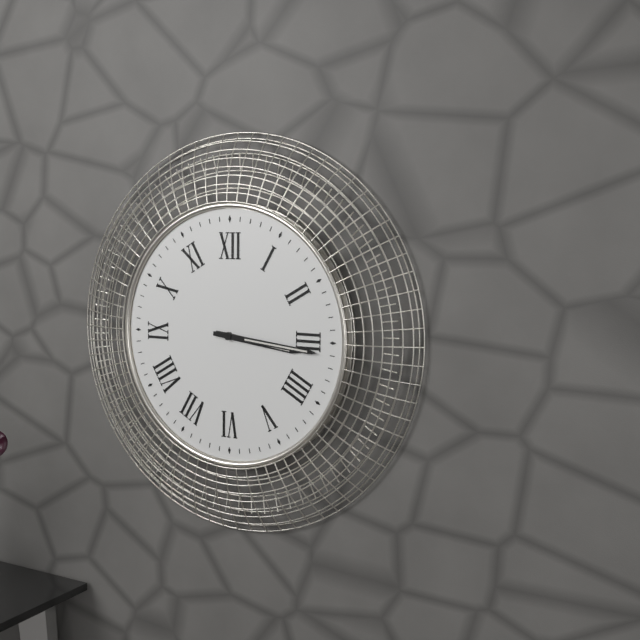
{"hour": 3, "minute": 16}
